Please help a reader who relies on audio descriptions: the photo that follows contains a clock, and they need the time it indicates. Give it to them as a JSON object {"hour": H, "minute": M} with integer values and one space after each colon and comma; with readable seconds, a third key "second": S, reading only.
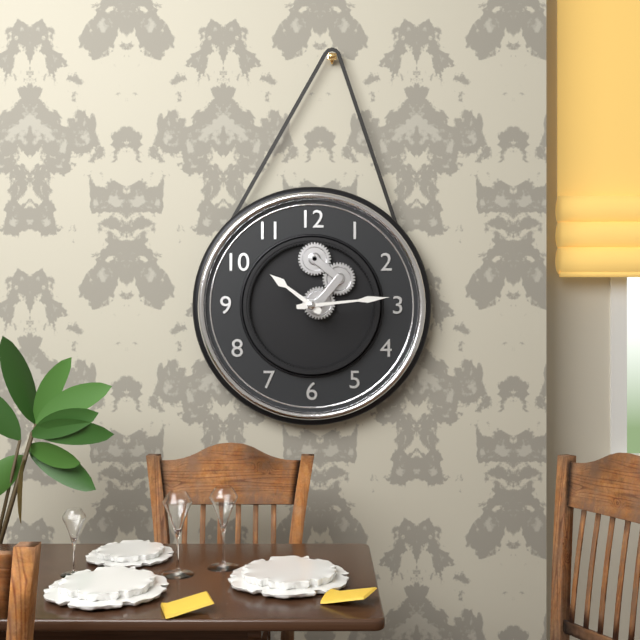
{"hour": 10, "minute": 14}
